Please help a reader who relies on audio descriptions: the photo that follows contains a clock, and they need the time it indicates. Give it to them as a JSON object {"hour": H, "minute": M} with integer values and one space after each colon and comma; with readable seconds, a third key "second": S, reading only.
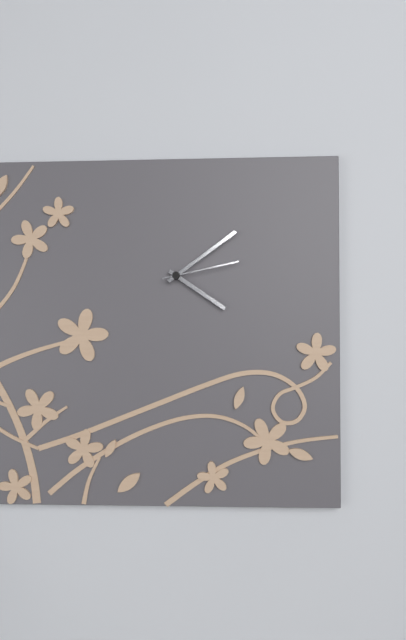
{"hour": 4, "minute": 9, "second": 13}
